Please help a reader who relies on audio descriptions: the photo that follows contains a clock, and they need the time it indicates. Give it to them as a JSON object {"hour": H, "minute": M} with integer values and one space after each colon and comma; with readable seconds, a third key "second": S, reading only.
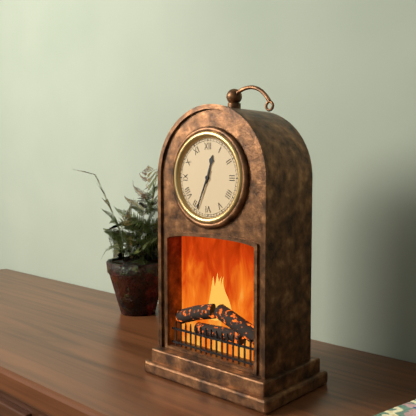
{"hour": 12, "minute": 34}
